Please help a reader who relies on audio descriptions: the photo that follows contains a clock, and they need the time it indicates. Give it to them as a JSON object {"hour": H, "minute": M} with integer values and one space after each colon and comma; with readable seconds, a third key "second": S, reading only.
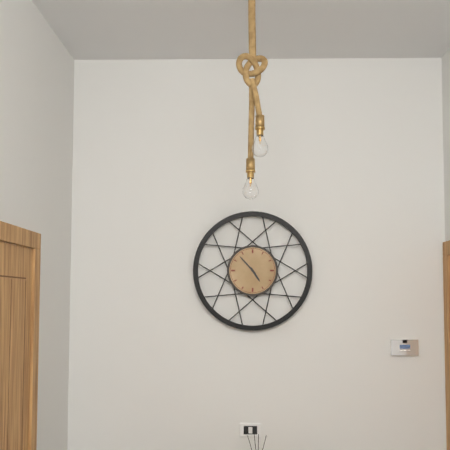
{"hour": 4, "minute": 53}
